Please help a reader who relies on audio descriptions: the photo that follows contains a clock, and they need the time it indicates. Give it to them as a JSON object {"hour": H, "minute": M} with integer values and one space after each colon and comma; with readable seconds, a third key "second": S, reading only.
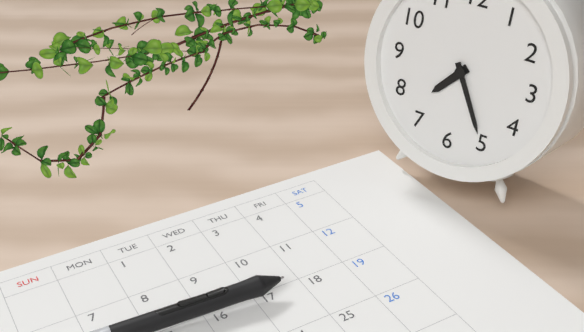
{"hour": 7, "minute": 25}
